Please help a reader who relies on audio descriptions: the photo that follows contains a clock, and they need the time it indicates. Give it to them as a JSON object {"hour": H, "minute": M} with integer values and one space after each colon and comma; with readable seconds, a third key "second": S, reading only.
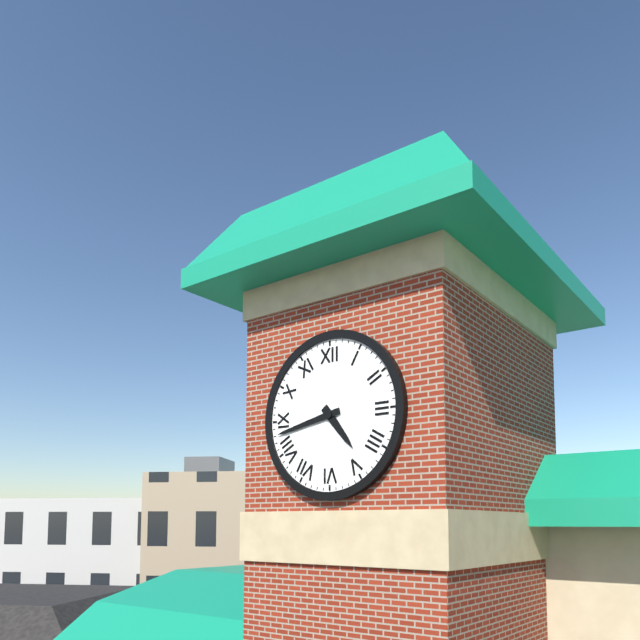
{"hour": 4, "minute": 43}
